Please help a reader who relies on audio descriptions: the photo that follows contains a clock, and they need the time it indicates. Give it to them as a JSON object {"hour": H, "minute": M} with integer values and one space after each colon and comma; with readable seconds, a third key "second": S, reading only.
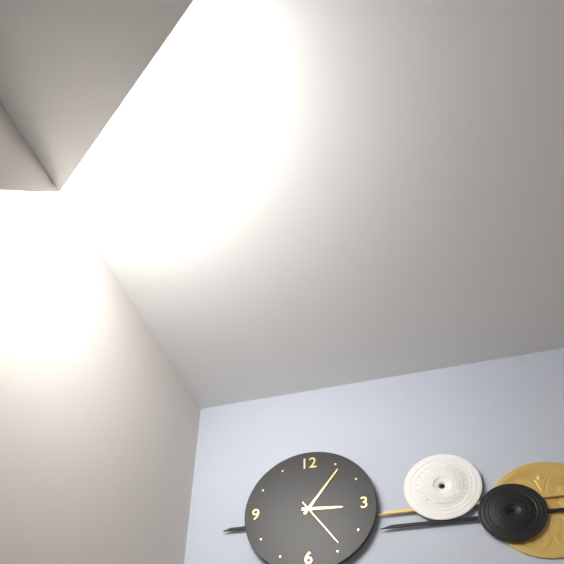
{"hour": 3, "minute": 6, "second": 24}
